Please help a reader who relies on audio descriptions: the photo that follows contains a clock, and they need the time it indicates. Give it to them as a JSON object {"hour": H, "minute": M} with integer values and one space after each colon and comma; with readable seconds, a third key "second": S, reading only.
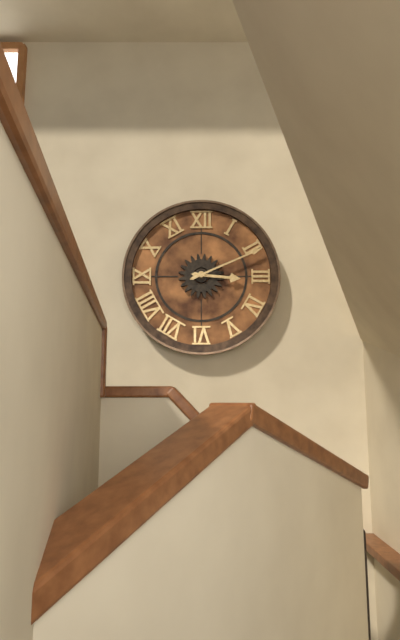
{"hour": 3, "minute": 11}
